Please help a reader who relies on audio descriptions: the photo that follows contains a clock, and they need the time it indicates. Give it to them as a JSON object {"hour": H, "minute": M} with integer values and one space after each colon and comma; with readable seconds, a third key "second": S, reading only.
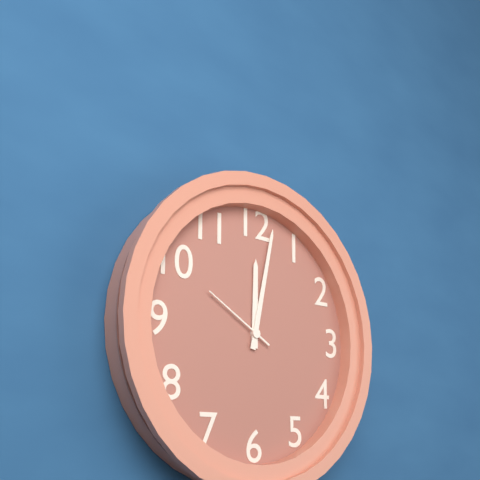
{"hour": 12, "minute": 2, "second": 50}
